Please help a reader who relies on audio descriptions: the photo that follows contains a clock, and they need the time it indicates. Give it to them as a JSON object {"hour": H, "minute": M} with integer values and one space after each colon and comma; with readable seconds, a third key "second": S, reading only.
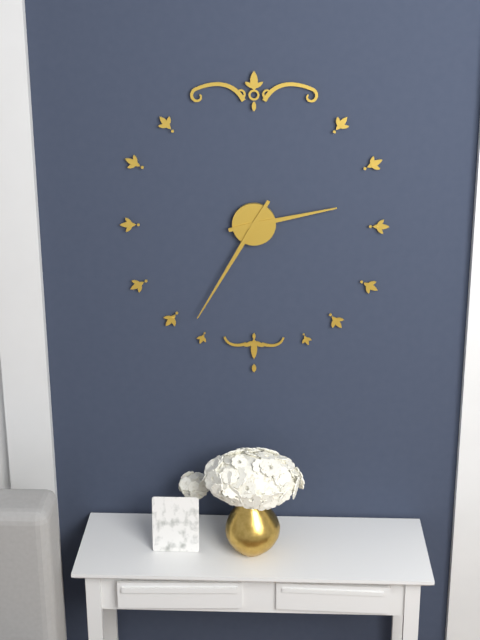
{"hour": 2, "minute": 35}
